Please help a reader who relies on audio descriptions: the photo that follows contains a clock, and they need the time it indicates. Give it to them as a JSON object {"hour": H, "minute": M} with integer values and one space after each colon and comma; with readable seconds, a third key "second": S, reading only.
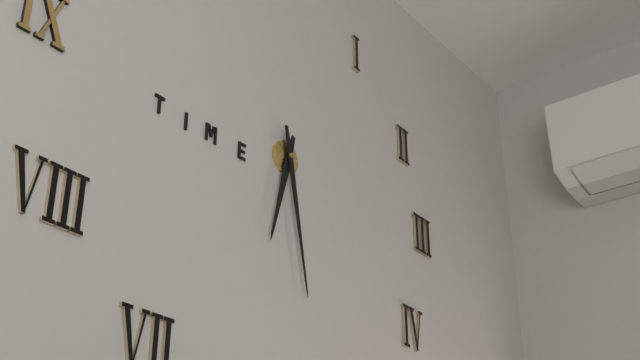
{"hour": 6, "minute": 28}
